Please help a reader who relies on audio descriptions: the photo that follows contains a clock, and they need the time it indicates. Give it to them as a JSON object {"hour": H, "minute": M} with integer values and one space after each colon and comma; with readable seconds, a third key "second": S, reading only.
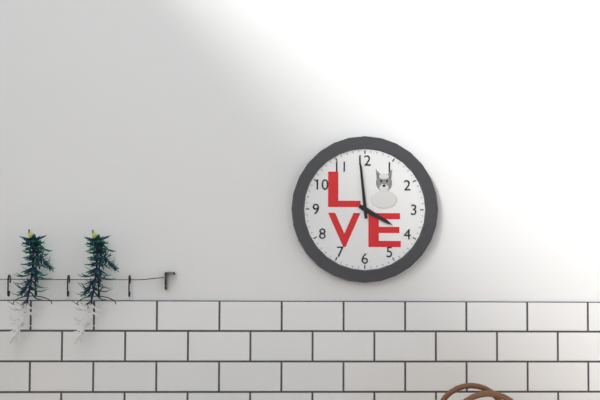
{"hour": 3, "minute": 59}
